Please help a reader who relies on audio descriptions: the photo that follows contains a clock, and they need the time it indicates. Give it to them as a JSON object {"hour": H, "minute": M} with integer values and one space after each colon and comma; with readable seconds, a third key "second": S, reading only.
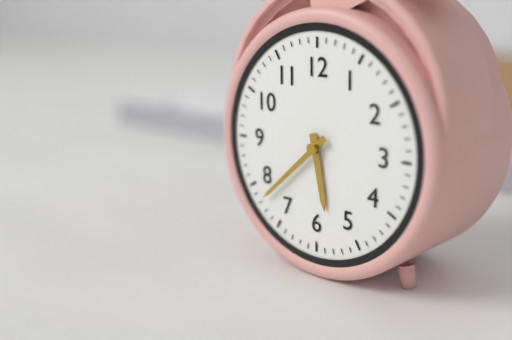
{"hour": 5, "minute": 38}
